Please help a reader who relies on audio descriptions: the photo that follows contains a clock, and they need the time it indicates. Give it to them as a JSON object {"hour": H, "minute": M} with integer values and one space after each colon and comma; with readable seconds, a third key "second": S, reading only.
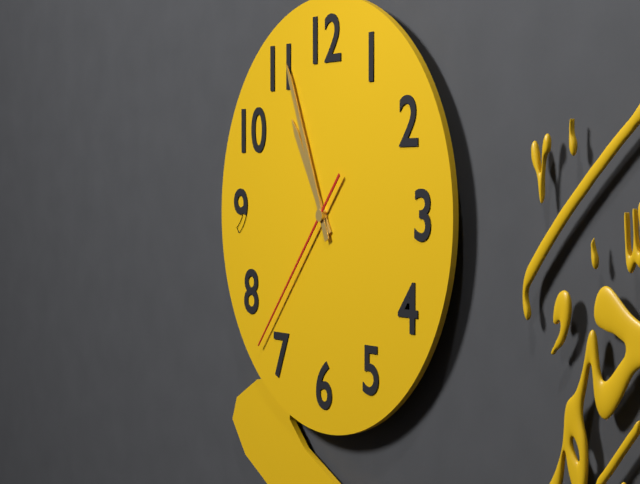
{"hour": 10, "minute": 56, "second": 37}
